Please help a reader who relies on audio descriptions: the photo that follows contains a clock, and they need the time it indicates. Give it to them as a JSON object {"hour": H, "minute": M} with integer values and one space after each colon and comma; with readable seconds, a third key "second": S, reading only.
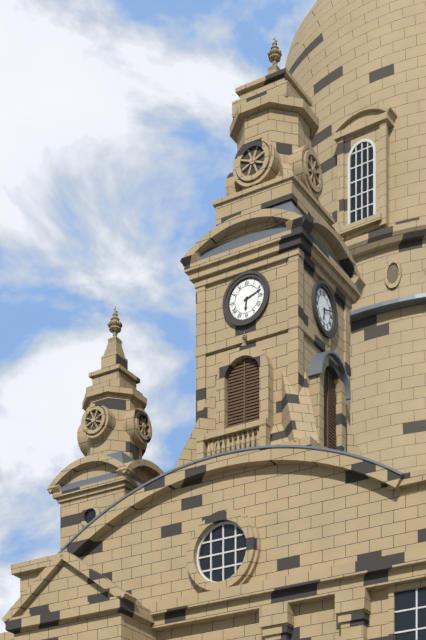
{"hour": 6, "minute": 12}
